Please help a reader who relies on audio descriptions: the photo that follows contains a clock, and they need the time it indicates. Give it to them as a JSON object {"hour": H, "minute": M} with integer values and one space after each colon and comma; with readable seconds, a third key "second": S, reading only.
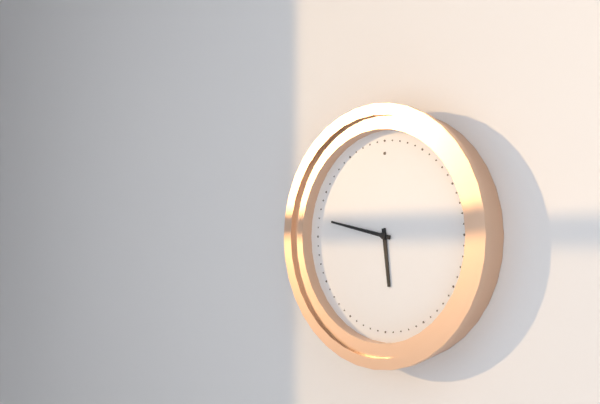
{"hour": 5, "minute": 47}
